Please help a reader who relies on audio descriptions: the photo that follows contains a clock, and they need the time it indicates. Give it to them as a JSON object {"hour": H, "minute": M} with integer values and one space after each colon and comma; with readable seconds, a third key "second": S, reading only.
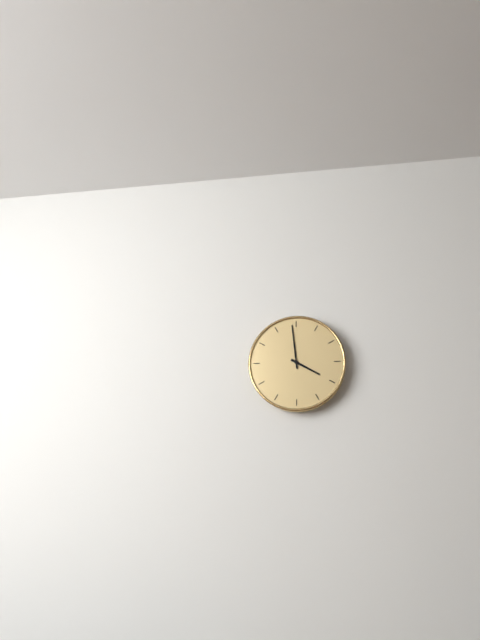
{"hour": 3, "minute": 59}
